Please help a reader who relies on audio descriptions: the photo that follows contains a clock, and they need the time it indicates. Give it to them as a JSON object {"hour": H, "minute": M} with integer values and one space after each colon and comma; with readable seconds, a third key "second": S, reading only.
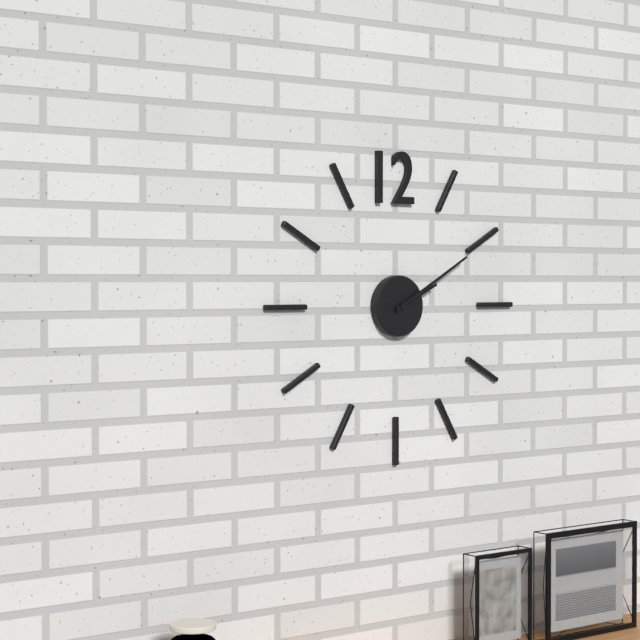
{"hour": 2, "minute": 10}
